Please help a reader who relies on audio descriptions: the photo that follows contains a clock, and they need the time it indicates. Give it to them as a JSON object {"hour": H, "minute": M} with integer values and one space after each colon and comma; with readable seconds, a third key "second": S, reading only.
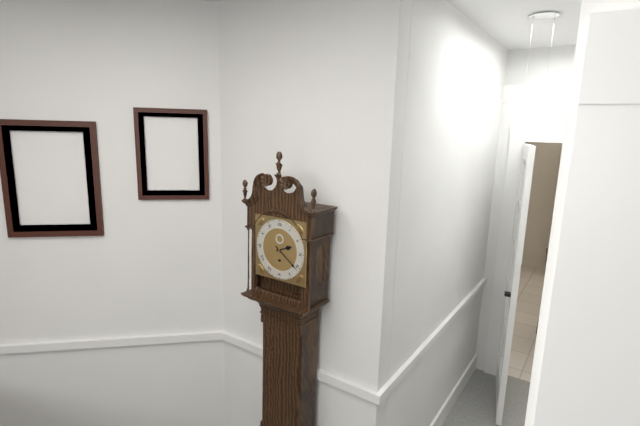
{"hour": 2, "minute": 21}
